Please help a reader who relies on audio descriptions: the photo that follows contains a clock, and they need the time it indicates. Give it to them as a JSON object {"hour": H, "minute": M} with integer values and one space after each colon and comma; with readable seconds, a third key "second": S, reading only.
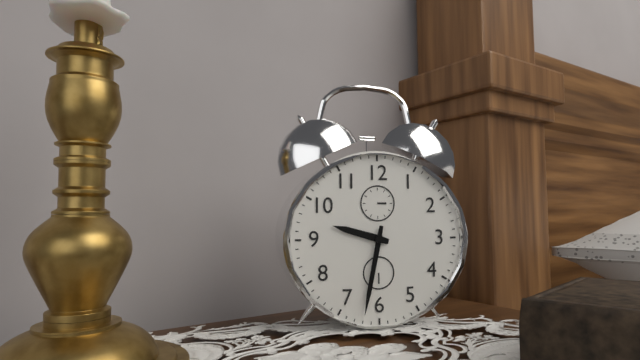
{"hour": 9, "minute": 32}
